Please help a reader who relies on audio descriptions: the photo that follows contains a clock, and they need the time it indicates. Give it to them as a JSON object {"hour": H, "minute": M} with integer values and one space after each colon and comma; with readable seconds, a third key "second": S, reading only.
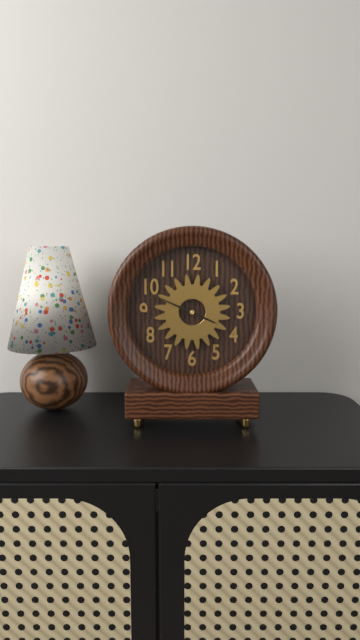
{"hour": 3, "minute": 49}
